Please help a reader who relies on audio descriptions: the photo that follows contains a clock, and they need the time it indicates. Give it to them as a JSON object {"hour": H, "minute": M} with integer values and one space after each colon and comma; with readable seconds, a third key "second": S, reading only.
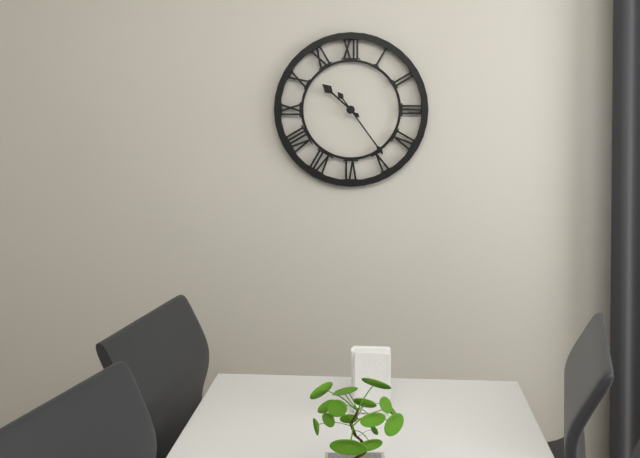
{"hour": 10, "minute": 24}
